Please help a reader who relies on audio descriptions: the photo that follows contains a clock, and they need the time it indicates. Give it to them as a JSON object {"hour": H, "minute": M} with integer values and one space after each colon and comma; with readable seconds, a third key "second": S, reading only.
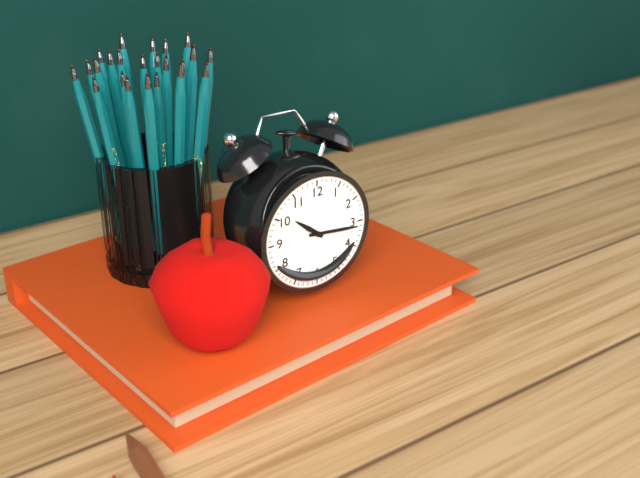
{"hour": 10, "minute": 16}
